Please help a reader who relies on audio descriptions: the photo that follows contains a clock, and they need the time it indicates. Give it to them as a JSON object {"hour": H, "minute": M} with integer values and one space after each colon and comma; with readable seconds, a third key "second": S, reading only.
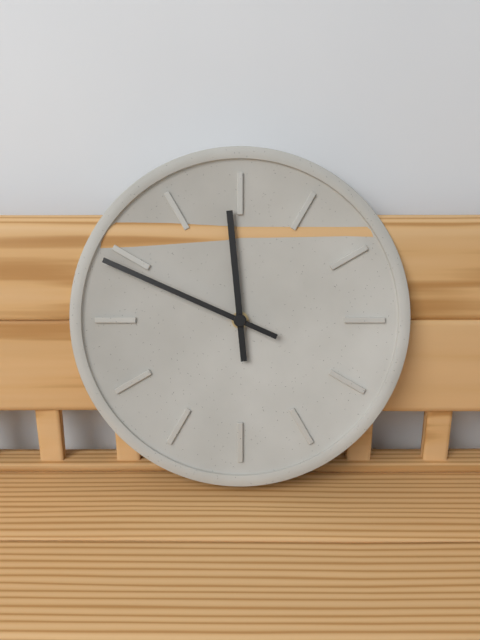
{"hour": 11, "minute": 49}
